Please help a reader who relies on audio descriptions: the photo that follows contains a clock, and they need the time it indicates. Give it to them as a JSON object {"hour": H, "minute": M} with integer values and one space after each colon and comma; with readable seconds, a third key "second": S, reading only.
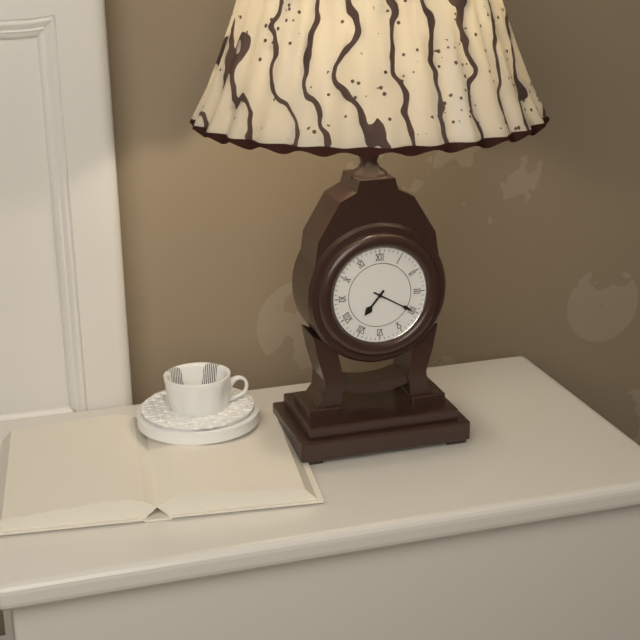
{"hour": 7, "minute": 20}
